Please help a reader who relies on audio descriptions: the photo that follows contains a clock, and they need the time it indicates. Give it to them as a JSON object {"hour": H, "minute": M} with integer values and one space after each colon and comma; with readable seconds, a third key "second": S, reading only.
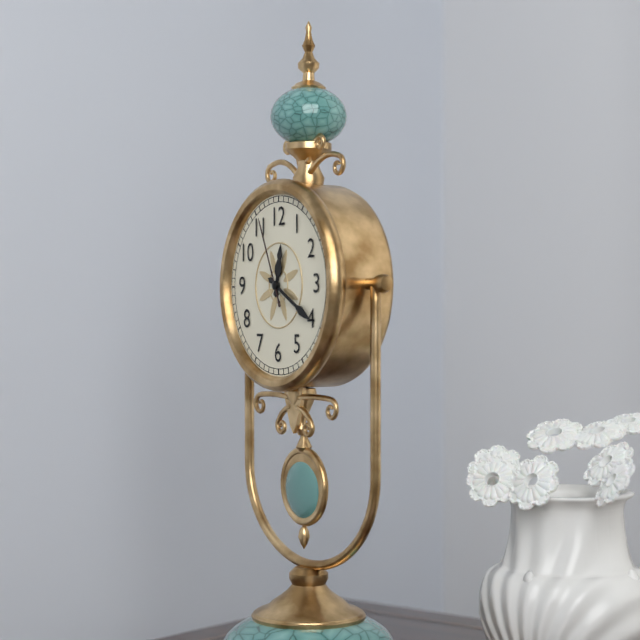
{"hour": 12, "minute": 20, "second": 56}
